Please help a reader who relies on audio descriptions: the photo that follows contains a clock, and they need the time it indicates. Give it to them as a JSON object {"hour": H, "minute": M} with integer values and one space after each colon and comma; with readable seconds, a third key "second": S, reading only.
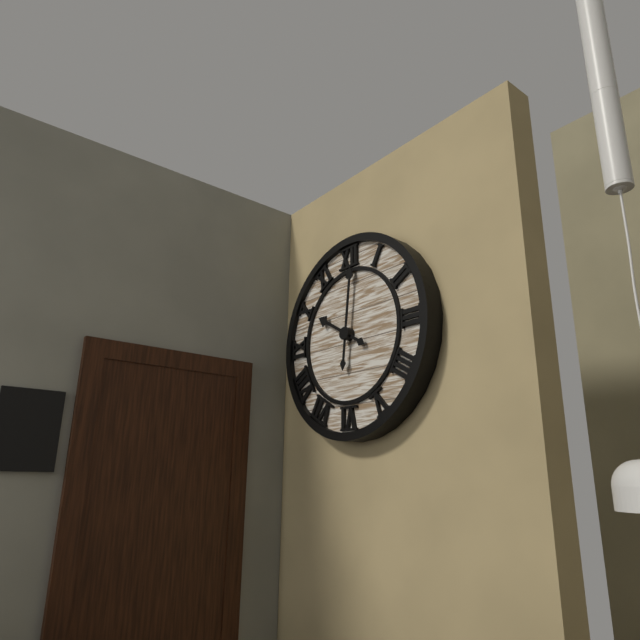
{"hour": 10, "minute": 1}
